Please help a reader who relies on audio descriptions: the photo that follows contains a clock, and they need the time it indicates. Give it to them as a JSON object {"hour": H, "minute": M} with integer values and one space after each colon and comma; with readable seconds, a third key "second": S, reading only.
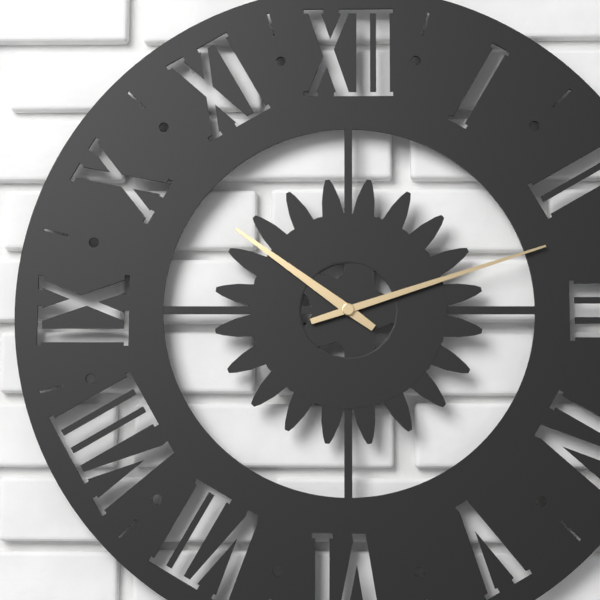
{"hour": 10, "minute": 12}
